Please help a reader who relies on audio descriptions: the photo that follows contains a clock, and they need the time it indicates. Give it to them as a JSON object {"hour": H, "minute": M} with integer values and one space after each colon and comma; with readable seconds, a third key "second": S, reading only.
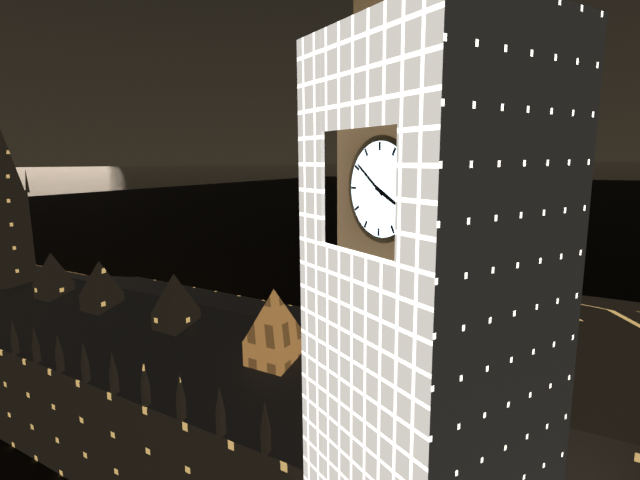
{"hour": 3, "minute": 51}
